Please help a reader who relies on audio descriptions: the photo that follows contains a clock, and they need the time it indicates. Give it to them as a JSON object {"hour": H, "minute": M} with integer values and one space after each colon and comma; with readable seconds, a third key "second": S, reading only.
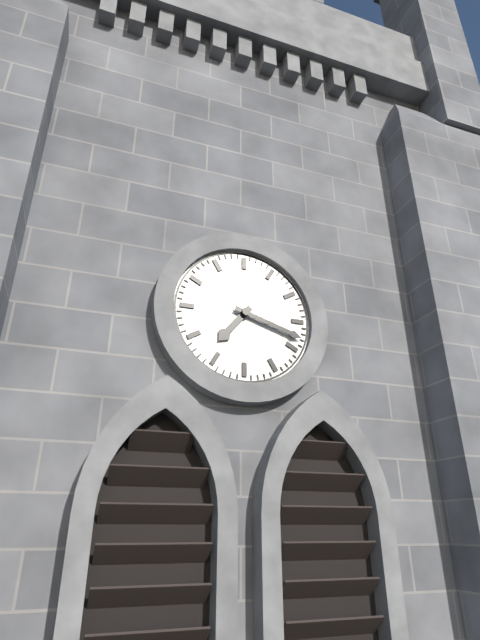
{"hour": 7, "minute": 18}
